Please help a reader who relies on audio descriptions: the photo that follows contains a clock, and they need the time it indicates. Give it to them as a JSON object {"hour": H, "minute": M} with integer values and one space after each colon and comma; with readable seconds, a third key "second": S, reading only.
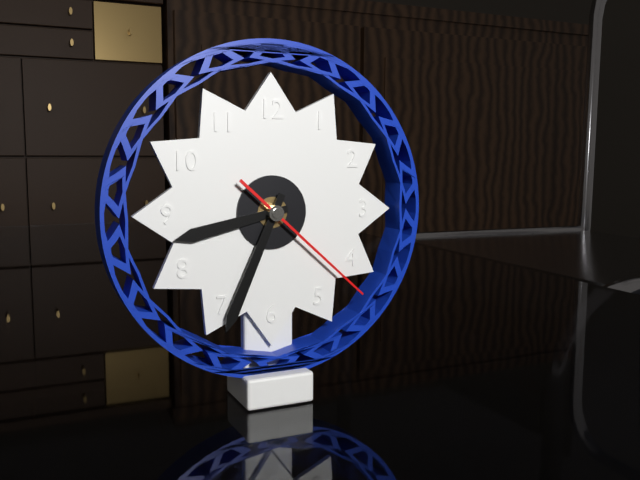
{"hour": 8, "minute": 34, "second": 22}
